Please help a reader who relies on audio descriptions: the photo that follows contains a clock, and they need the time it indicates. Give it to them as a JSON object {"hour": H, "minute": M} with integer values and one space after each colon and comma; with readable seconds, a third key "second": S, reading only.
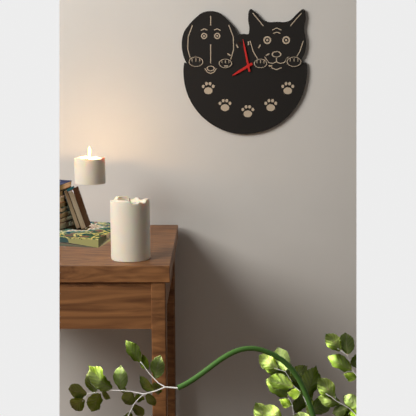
{"hour": 7, "minute": 58}
